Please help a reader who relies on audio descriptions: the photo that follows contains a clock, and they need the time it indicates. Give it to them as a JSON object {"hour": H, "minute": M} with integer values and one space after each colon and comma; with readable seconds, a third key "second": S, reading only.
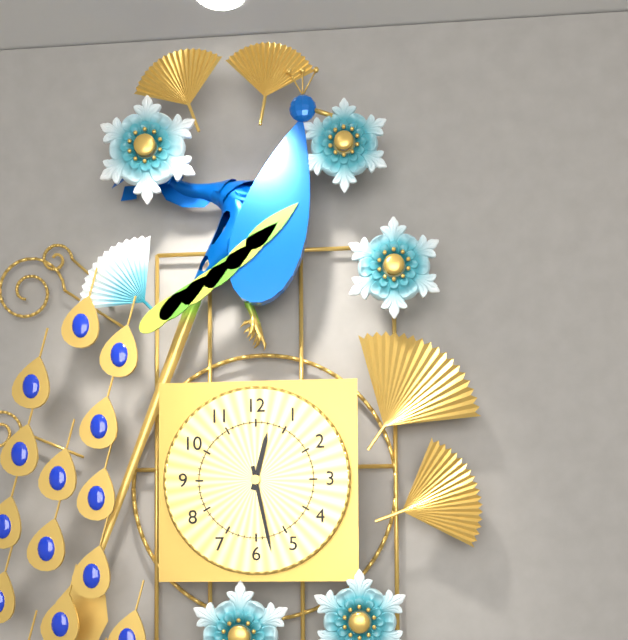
{"hour": 12, "minute": 28}
